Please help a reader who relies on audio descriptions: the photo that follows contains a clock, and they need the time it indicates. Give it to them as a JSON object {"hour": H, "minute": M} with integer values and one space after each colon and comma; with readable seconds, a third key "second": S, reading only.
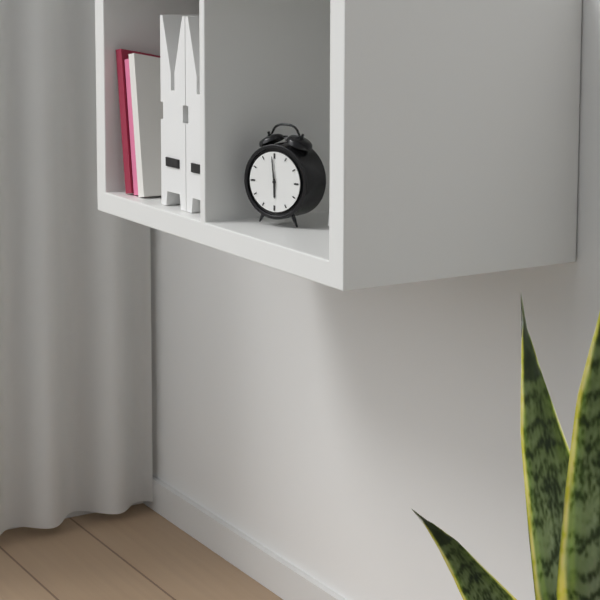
{"hour": 5, "minute": 59}
